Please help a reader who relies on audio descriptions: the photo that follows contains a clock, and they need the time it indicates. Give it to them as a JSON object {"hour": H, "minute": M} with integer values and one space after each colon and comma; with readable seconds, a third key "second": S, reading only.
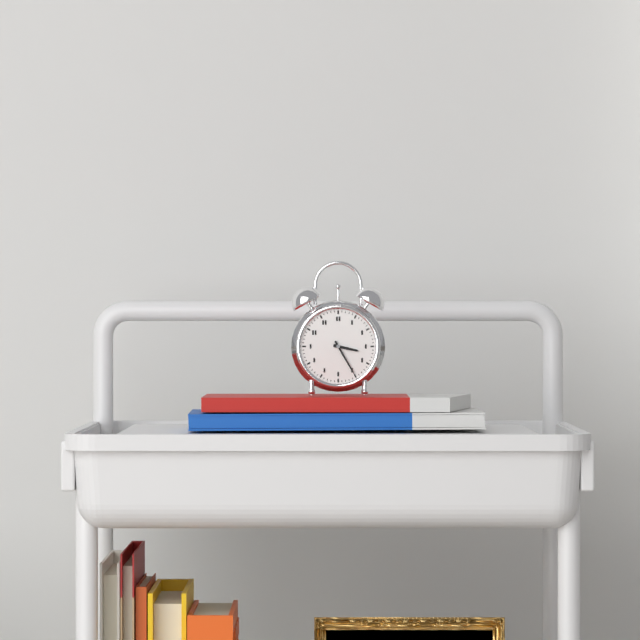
{"hour": 3, "minute": 25}
